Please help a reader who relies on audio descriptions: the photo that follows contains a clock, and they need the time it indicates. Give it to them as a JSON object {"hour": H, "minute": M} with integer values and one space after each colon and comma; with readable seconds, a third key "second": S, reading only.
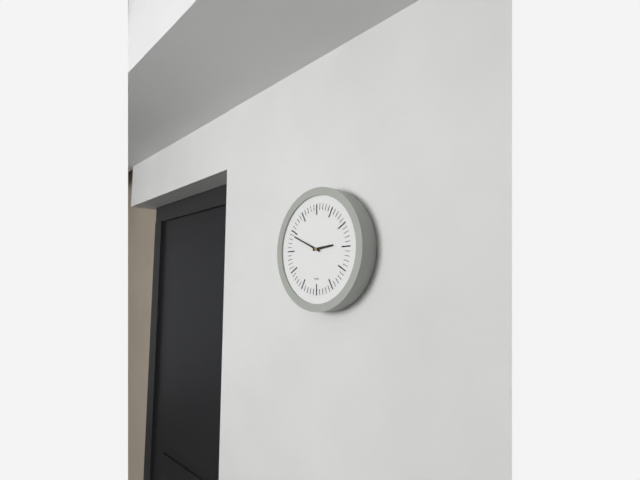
{"hour": 2, "minute": 49}
